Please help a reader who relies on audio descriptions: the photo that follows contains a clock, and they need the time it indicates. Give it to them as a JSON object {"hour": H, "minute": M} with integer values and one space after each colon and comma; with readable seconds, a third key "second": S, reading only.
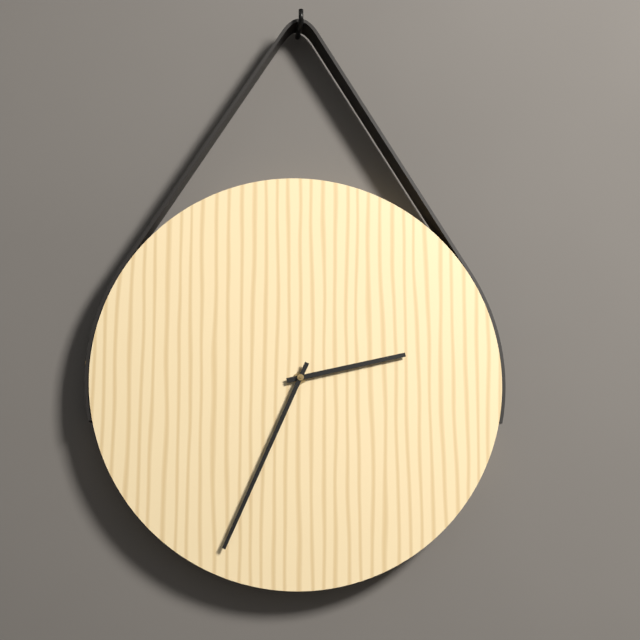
{"hour": 2, "minute": 34}
